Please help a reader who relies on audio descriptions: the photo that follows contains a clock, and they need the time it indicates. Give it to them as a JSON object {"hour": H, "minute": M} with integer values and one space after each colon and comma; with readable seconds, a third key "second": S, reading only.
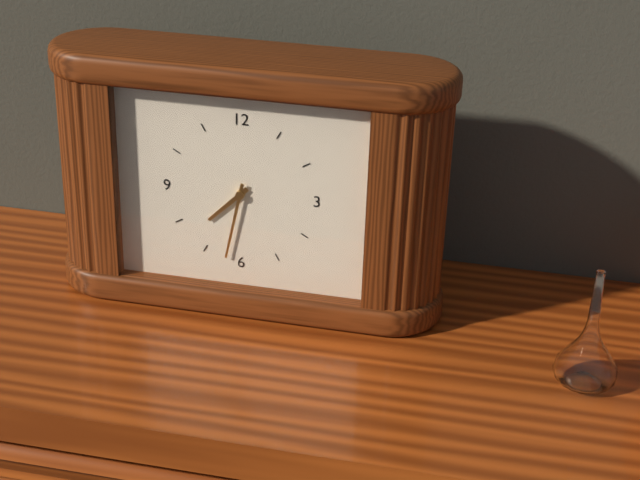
{"hour": 7, "minute": 32}
